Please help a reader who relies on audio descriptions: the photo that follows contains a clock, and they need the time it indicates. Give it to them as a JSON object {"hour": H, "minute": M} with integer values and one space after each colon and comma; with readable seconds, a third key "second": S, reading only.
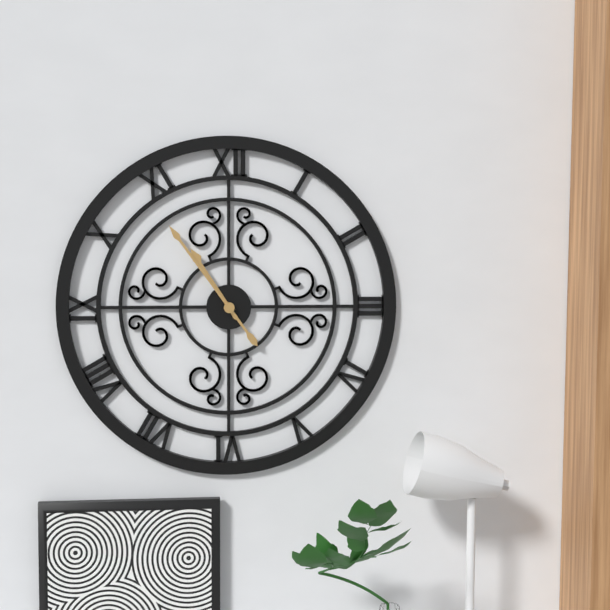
{"hour": 10, "minute": 54}
